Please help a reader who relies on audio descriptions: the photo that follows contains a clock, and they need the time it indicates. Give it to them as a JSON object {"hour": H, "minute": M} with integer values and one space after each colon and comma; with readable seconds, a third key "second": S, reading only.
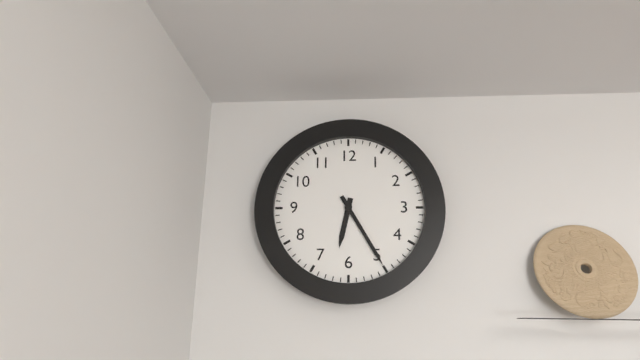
{"hour": 6, "minute": 25}
